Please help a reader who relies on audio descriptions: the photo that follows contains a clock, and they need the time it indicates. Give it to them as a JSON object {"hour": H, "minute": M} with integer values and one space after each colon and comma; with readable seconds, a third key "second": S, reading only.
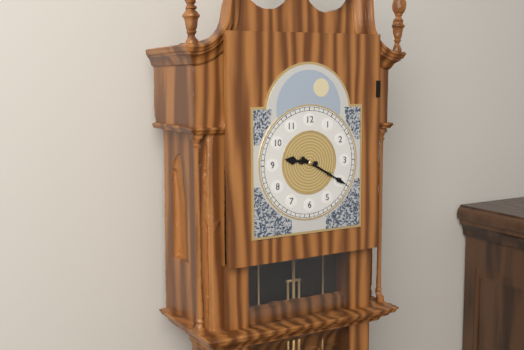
{"hour": 9, "minute": 20}
